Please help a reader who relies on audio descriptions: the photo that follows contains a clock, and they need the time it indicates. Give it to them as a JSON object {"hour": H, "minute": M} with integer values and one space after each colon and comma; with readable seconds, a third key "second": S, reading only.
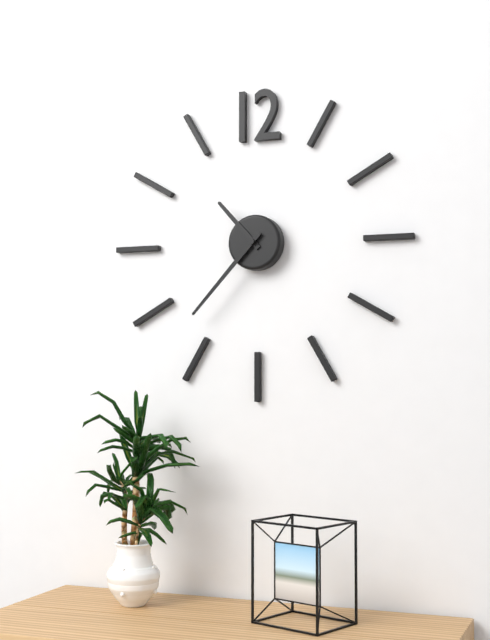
{"hour": 10, "minute": 37}
